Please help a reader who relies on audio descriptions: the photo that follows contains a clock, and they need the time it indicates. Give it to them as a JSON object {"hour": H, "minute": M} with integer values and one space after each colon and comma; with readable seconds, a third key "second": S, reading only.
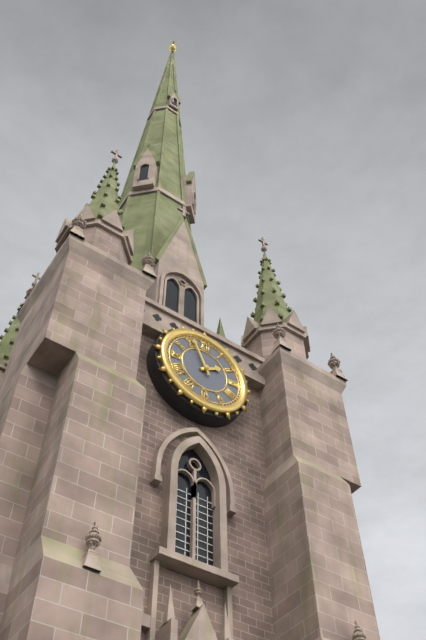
{"hour": 1, "minute": 56}
